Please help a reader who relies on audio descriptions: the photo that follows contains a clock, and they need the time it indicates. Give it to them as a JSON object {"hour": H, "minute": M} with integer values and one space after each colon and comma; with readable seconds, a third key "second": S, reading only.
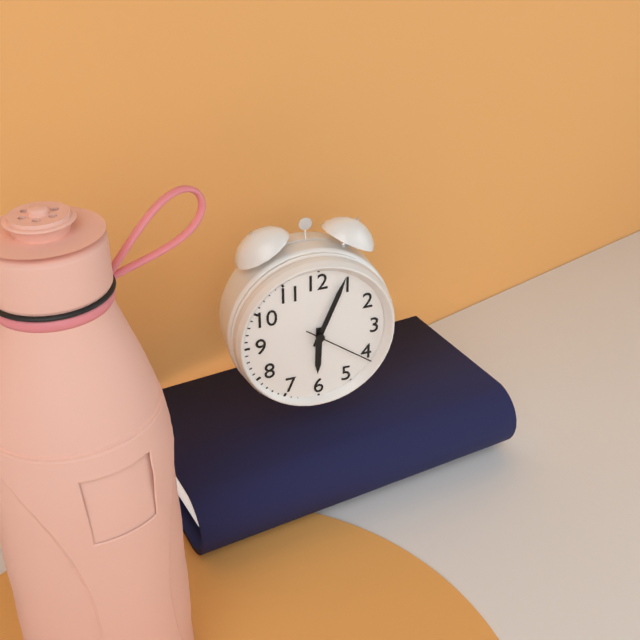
{"hour": 6, "minute": 4, "second": 21}
